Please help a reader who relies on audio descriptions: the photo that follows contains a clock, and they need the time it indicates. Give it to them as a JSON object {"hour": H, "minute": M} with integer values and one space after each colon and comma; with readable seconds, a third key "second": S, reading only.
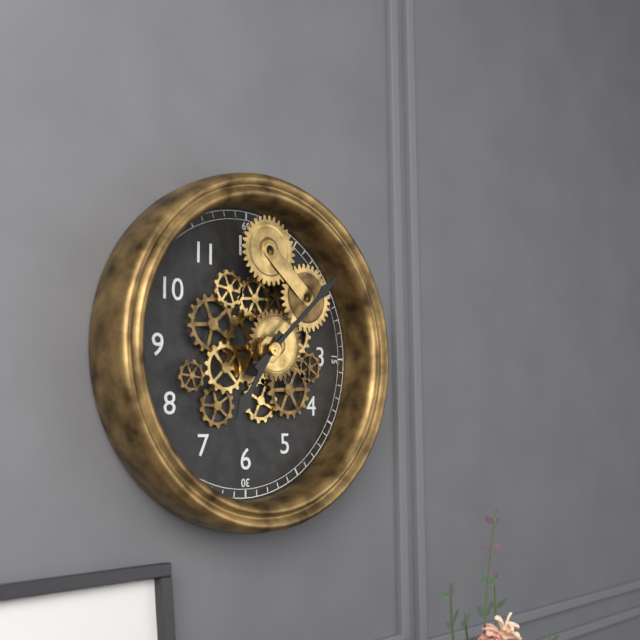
{"hour": 7, "minute": 8}
